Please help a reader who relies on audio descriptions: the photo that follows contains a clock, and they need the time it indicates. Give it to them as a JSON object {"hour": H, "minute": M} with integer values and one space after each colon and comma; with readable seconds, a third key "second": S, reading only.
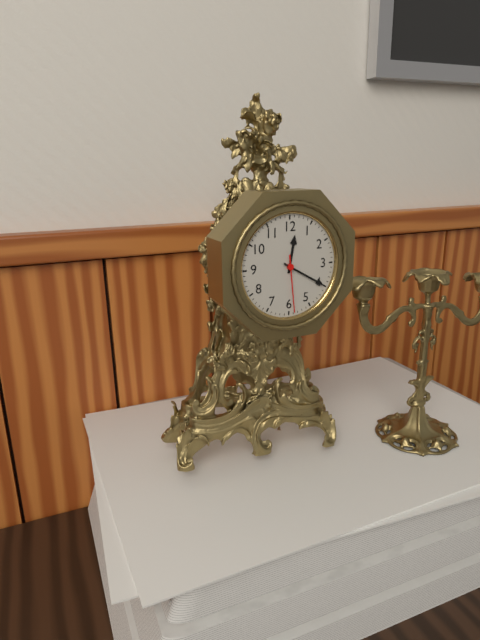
{"hour": 12, "minute": 20, "second": 29}
